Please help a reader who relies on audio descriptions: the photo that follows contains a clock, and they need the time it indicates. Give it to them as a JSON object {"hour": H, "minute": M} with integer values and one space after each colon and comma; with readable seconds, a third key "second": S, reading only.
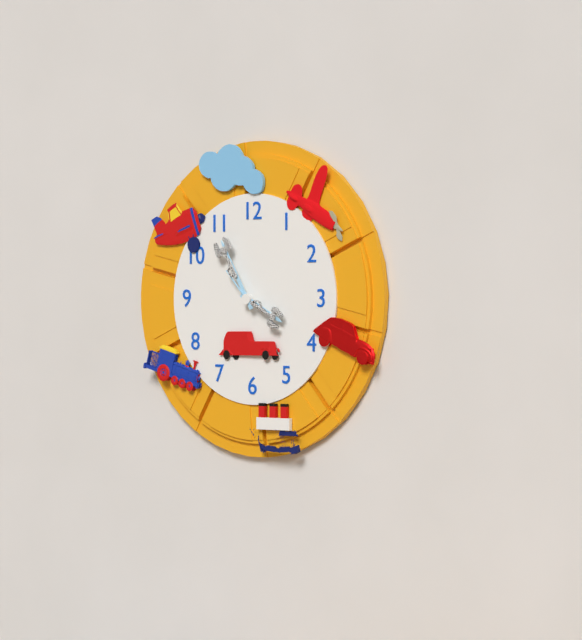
{"hour": 3, "minute": 55}
